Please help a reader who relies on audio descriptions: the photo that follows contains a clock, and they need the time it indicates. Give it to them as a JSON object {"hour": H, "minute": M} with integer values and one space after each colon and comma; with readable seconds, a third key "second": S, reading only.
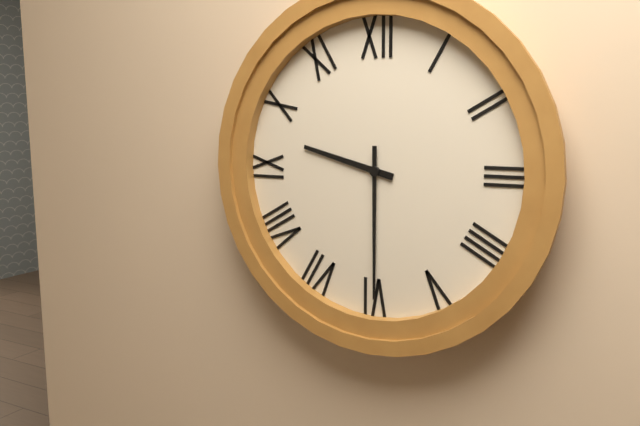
{"hour": 9, "minute": 30}
